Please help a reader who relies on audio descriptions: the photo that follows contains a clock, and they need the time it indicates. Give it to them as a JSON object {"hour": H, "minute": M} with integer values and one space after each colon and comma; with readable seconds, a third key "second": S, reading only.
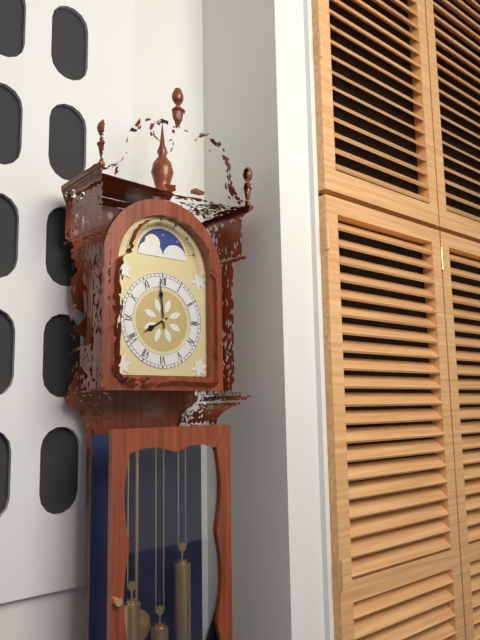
{"hour": 7, "minute": 59}
